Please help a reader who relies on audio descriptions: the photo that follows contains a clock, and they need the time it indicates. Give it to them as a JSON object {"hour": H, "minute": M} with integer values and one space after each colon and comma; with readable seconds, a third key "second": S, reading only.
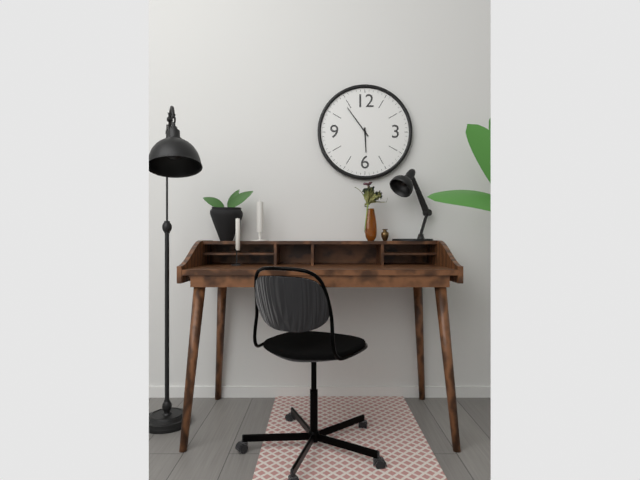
{"hour": 5, "minute": 54}
